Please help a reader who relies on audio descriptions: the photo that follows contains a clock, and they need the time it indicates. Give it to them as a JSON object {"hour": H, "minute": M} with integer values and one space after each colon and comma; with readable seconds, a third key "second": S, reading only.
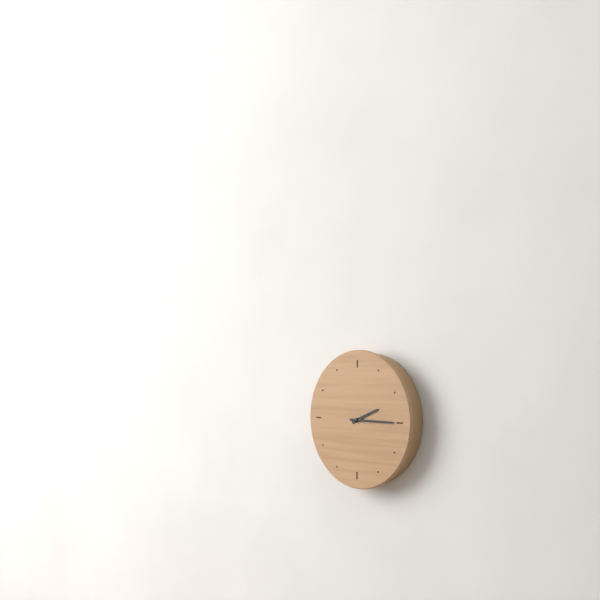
{"hour": 2, "minute": 15}
